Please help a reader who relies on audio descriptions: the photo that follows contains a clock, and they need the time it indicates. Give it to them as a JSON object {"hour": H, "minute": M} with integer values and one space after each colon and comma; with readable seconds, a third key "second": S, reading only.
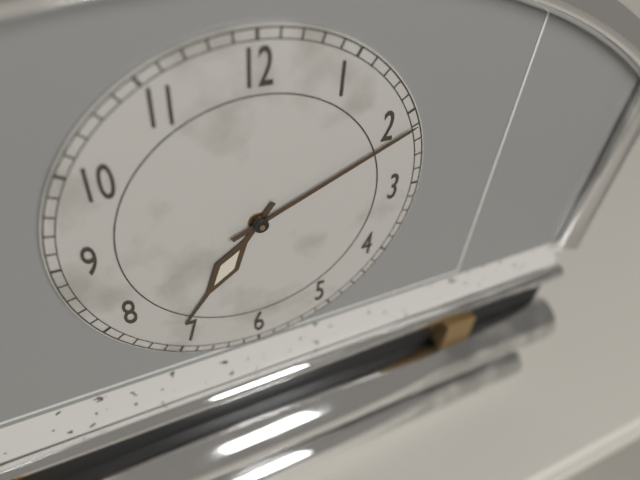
{"hour": 7, "minute": 11}
